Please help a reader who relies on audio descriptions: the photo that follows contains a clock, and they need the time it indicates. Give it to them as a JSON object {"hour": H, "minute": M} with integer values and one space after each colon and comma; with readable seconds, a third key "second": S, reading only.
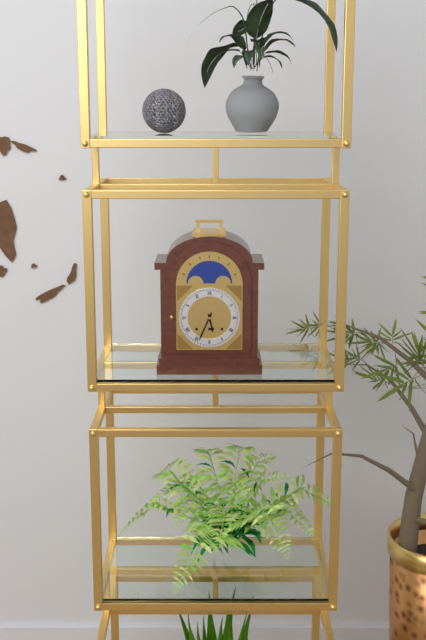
{"hour": 5, "minute": 34}
